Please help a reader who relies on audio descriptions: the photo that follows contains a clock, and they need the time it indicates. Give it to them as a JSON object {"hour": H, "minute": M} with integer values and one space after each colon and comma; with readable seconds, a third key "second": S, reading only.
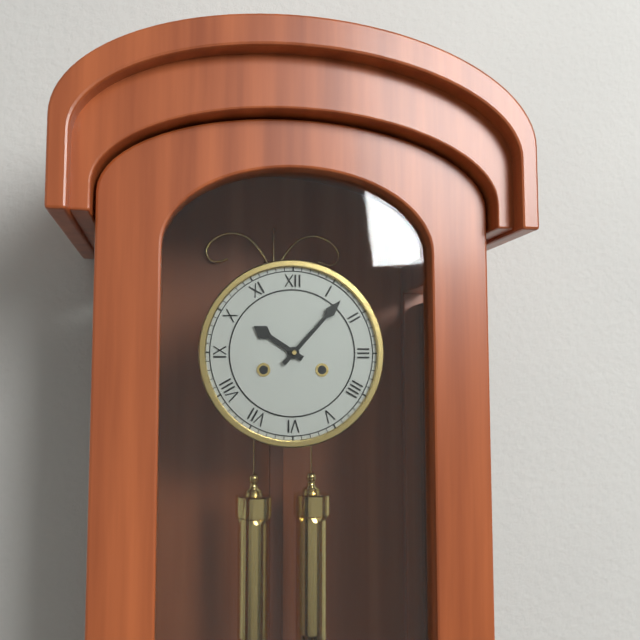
{"hour": 10, "minute": 7}
